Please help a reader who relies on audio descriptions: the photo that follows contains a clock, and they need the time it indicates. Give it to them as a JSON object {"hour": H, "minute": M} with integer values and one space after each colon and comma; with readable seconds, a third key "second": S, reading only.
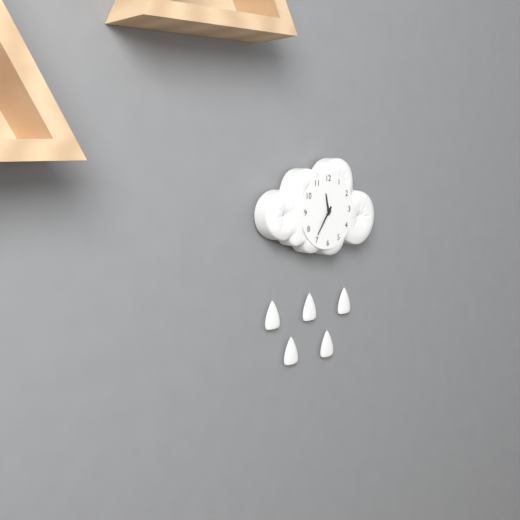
{"hour": 11, "minute": 36}
